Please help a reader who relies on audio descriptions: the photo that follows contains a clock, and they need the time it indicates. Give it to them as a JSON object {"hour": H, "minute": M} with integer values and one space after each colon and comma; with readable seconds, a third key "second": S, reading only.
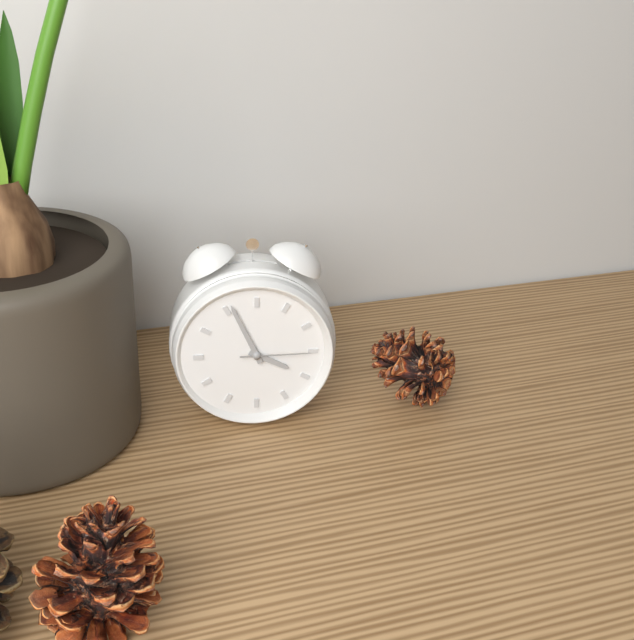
{"hour": 3, "minute": 56, "second": 15}
